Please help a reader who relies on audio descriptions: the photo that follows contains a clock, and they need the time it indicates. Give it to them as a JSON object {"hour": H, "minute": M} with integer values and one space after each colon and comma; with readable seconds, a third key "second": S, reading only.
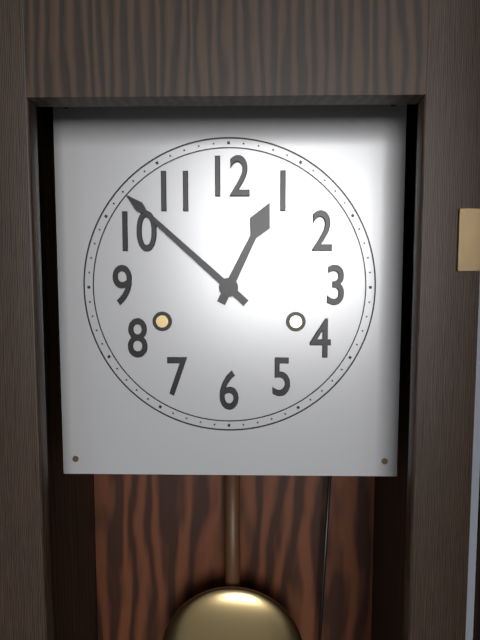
{"hour": 12, "minute": 52}
